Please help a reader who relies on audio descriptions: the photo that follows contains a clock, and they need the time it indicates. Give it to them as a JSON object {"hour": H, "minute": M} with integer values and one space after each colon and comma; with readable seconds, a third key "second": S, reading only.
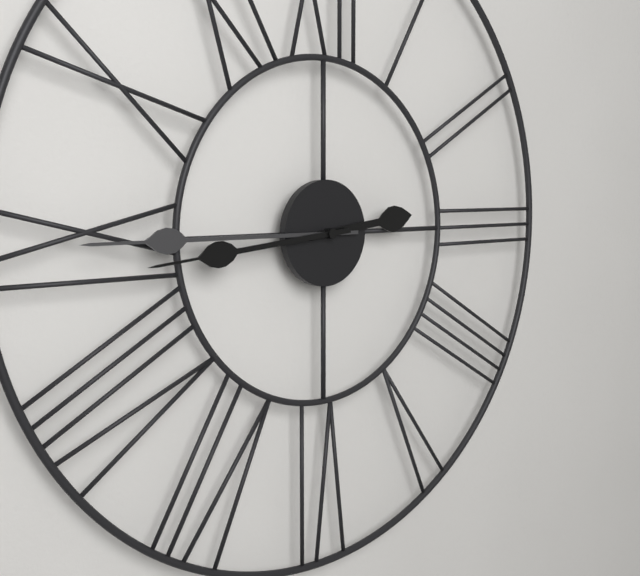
{"hour": 2, "minute": 45, "second": 44}
